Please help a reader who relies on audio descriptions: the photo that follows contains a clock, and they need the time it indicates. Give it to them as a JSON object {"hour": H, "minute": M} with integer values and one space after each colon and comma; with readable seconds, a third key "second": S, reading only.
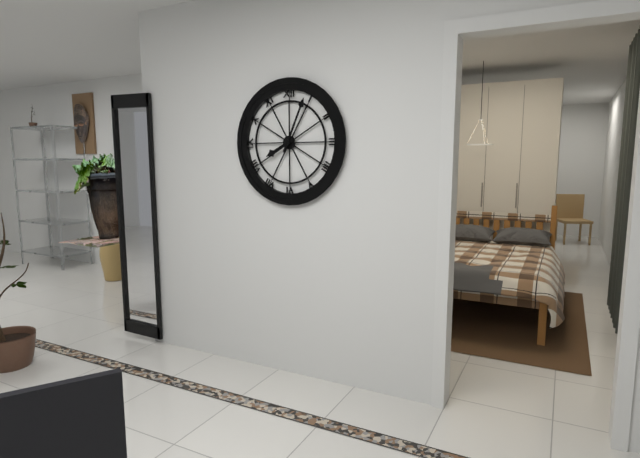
{"hour": 8, "minute": 4}
